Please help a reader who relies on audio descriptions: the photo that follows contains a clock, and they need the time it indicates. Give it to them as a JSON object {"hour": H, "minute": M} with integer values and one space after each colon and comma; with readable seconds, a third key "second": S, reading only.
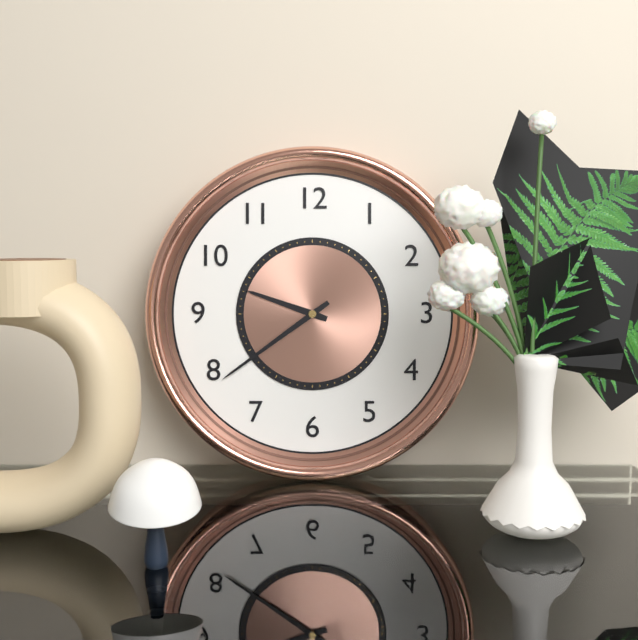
{"hour": 9, "minute": 39}
